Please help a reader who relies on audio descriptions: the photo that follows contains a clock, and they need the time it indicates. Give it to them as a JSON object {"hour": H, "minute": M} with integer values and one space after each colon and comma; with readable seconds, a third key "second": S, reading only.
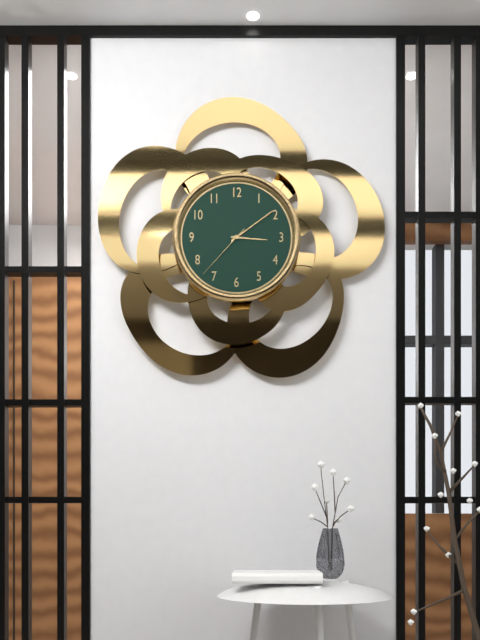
{"hour": 3, "minute": 9, "second": 37}
